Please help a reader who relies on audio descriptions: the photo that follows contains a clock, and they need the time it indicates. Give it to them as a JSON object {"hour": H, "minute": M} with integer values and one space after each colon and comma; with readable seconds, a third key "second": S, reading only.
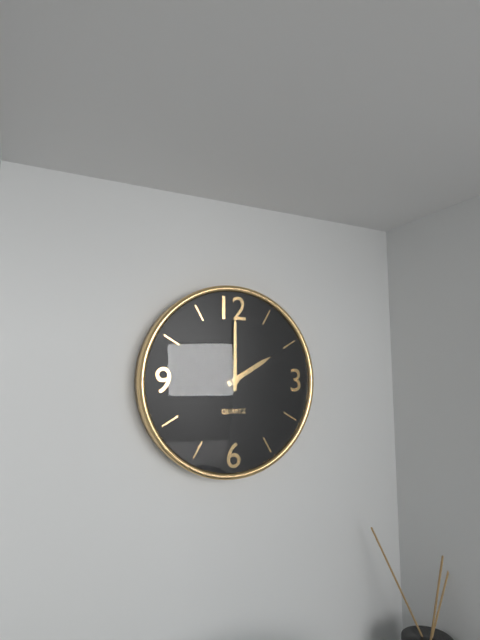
{"hour": 2, "minute": 0}
